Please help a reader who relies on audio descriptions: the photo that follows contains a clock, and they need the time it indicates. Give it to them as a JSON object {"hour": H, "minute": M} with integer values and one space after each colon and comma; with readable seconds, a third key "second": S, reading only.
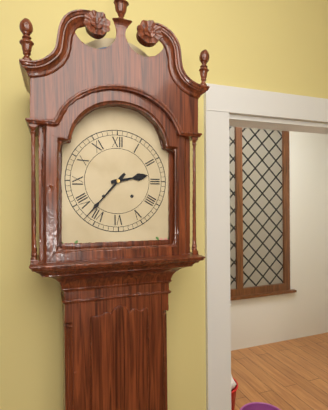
{"hour": 2, "minute": 37}
